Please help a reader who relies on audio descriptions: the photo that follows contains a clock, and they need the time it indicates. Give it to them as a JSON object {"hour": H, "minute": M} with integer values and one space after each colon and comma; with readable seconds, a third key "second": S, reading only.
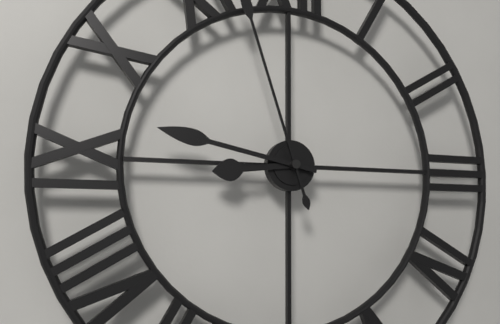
{"hour": 8, "minute": 47}
